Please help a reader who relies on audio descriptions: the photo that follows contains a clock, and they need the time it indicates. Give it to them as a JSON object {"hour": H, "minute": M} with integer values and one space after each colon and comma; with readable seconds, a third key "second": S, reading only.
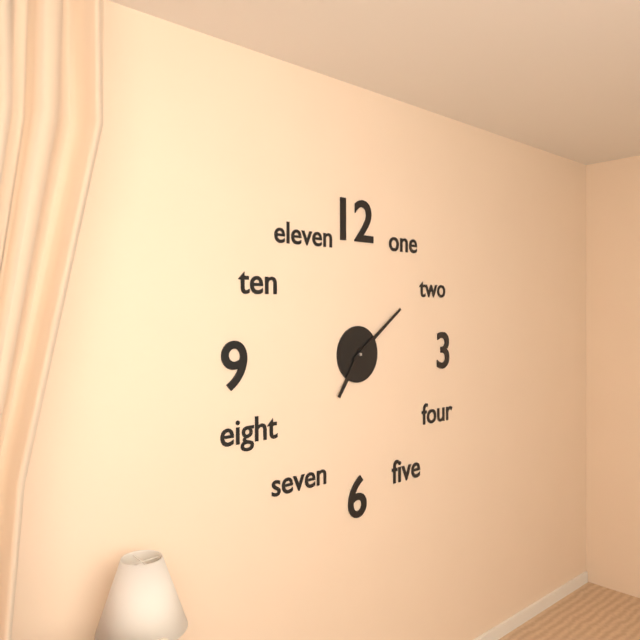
{"hour": 7, "minute": 9}
